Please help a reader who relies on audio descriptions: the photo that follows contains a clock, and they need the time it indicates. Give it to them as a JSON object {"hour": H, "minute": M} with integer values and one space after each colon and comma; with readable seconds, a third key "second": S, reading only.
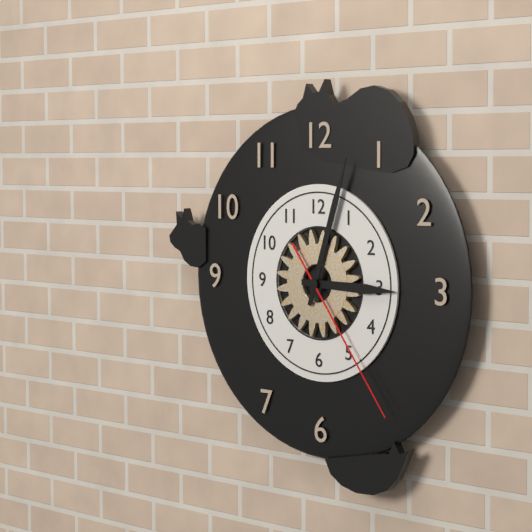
{"hour": 3, "minute": 3, "second": 24}
